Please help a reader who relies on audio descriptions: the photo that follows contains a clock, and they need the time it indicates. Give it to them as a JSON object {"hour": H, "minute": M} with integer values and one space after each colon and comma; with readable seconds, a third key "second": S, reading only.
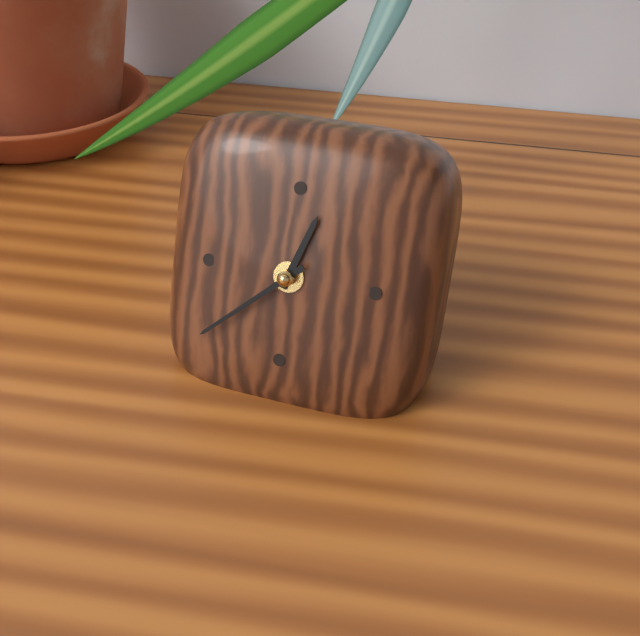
{"hour": 12, "minute": 38}
